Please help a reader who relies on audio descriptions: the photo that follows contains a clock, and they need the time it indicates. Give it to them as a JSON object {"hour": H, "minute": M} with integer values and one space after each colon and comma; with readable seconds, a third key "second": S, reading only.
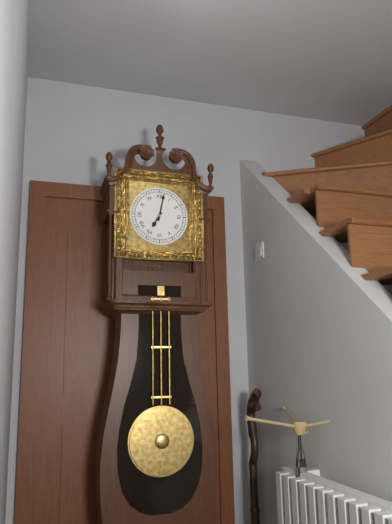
{"hour": 7, "minute": 2}
